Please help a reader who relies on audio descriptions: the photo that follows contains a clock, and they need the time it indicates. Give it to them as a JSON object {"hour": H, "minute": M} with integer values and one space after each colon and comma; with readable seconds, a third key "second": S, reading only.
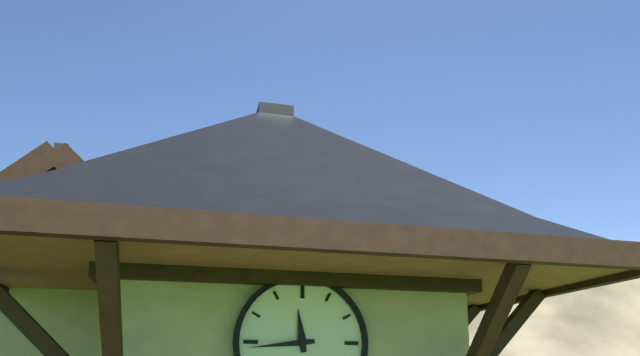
{"hour": 11, "minute": 44}
